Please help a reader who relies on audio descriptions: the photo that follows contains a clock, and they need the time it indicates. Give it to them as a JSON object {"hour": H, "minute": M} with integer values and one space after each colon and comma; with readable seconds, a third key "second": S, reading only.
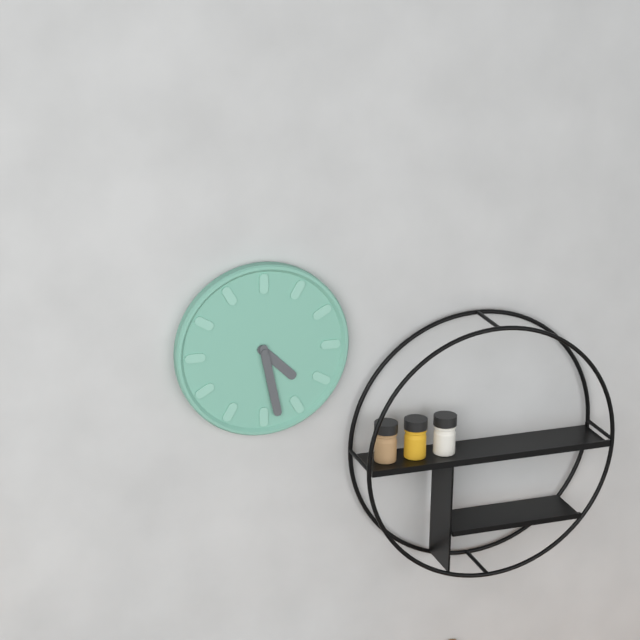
{"hour": 4, "minute": 28}
